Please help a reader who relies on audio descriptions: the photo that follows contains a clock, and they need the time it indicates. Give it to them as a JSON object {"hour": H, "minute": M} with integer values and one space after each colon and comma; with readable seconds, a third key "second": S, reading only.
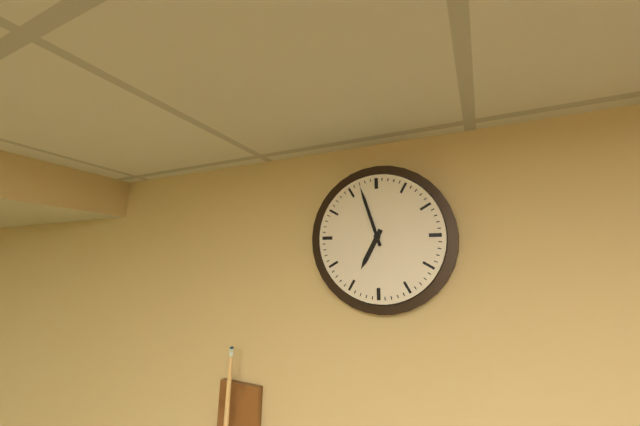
{"hour": 6, "minute": 57}
